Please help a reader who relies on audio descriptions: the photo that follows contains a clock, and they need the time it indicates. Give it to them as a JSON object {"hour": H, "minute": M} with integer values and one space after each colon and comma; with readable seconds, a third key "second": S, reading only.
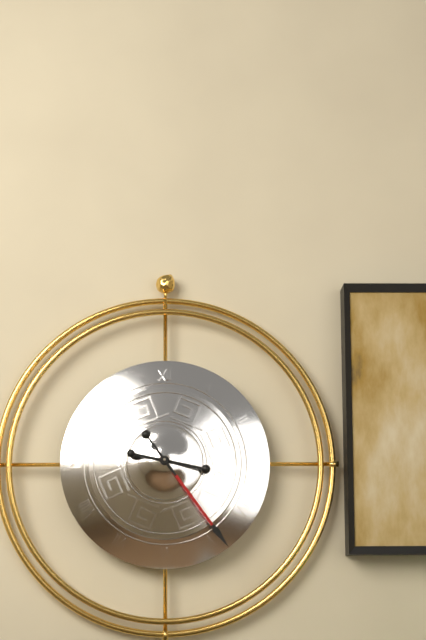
{"hour": 3, "minute": 24}
